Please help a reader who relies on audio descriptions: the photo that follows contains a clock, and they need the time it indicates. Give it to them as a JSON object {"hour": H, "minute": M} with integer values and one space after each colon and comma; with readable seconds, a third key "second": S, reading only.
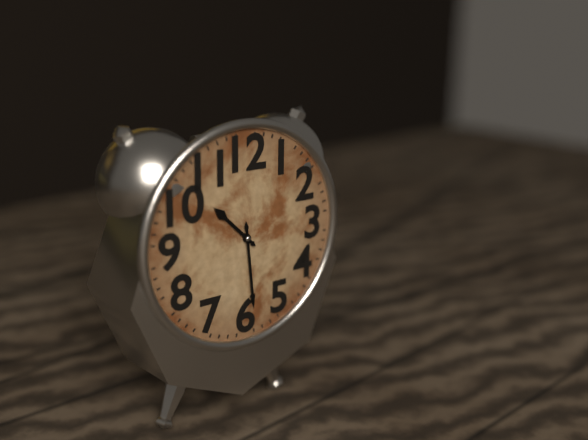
{"hour": 10, "minute": 29}
